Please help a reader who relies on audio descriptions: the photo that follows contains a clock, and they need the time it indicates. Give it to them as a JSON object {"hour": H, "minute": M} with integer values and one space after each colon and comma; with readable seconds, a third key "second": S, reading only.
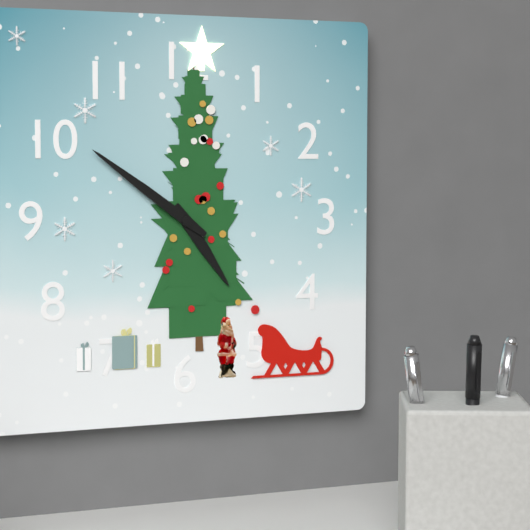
{"hour": 4, "minute": 51}
